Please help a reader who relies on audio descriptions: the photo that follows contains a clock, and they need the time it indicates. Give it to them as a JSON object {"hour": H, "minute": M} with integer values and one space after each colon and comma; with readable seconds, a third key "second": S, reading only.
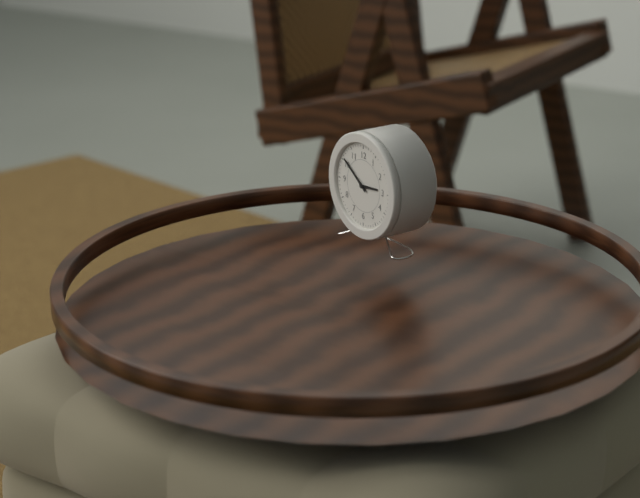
{"hour": 2, "minute": 51}
